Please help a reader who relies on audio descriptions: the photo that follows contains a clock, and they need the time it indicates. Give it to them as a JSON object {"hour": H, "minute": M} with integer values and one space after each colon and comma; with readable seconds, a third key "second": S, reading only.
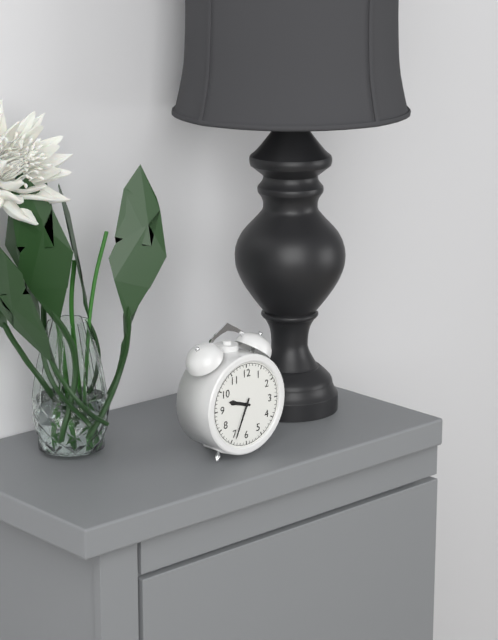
{"hour": 9, "minute": 34}
